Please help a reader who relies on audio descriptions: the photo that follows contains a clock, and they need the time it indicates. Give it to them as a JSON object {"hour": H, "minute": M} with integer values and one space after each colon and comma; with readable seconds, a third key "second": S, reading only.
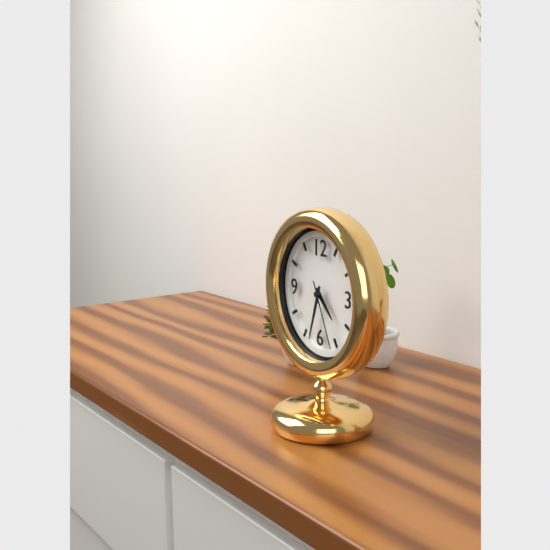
{"hour": 4, "minute": 33, "second": 26}
